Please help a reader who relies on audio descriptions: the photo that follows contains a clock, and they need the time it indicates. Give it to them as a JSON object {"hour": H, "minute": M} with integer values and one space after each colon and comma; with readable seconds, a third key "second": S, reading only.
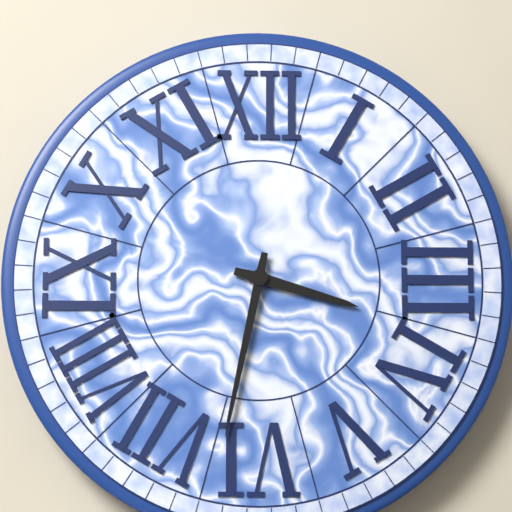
{"hour": 3, "minute": 32}
